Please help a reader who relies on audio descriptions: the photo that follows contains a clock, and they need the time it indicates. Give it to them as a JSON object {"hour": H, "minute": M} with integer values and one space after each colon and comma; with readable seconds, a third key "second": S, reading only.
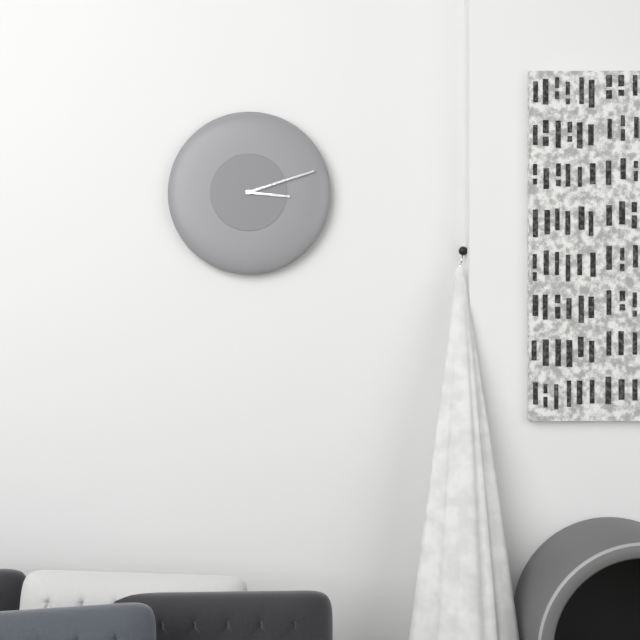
{"hour": 3, "minute": 12}
